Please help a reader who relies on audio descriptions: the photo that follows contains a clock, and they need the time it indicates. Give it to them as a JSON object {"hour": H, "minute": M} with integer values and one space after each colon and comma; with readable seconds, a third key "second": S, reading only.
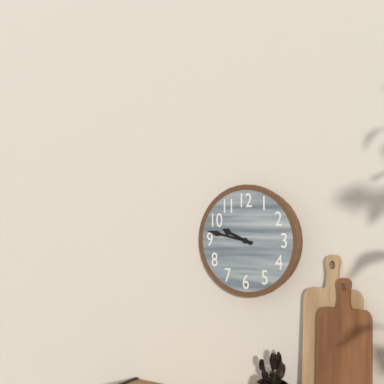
{"hour": 9, "minute": 47}
